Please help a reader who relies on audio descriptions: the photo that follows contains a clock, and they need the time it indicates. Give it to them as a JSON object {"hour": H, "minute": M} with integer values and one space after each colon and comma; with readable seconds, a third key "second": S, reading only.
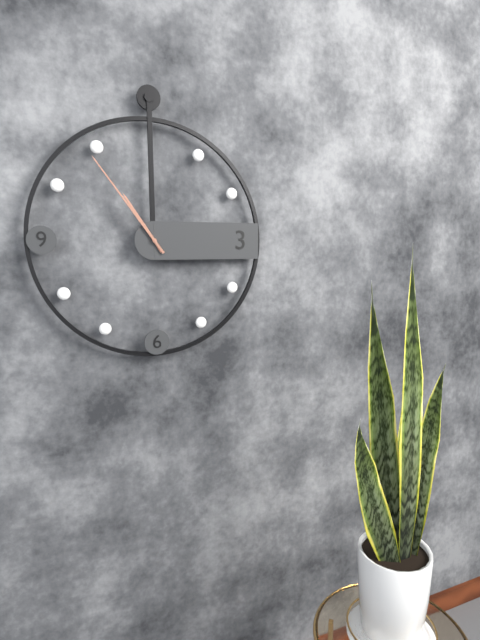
{"hour": 10, "minute": 54}
